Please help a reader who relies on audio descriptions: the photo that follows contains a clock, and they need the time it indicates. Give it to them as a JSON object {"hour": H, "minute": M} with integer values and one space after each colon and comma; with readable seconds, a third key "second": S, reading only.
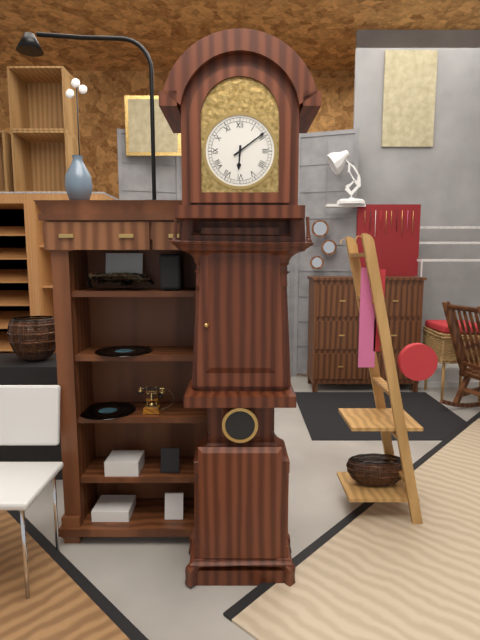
{"hour": 6, "minute": 9}
